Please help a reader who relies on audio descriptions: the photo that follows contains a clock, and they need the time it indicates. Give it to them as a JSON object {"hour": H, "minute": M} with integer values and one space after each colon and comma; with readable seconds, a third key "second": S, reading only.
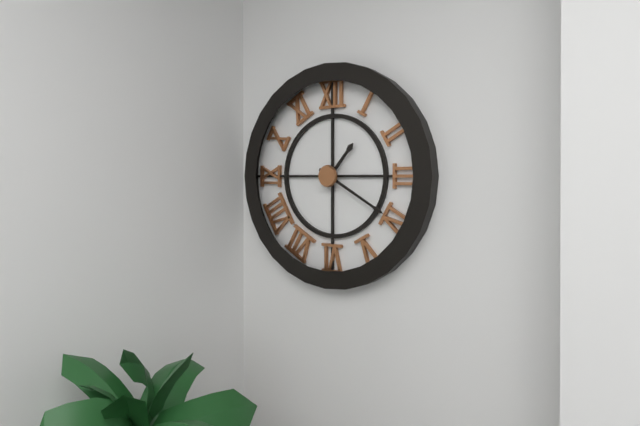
{"hour": 1, "minute": 20}
